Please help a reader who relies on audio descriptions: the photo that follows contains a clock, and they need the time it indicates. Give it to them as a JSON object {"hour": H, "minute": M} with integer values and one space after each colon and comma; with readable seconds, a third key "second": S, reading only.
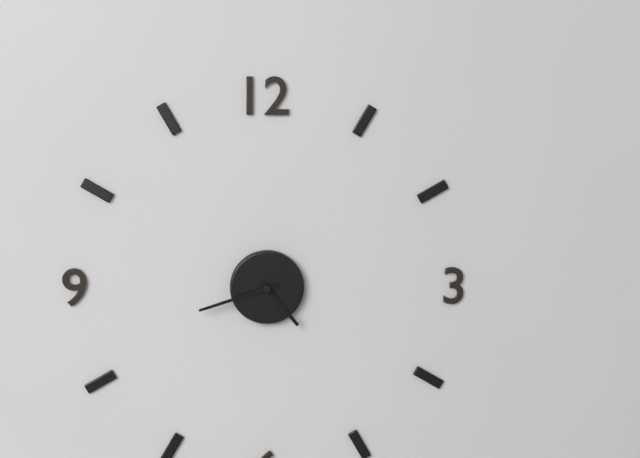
{"hour": 4, "minute": 42}
